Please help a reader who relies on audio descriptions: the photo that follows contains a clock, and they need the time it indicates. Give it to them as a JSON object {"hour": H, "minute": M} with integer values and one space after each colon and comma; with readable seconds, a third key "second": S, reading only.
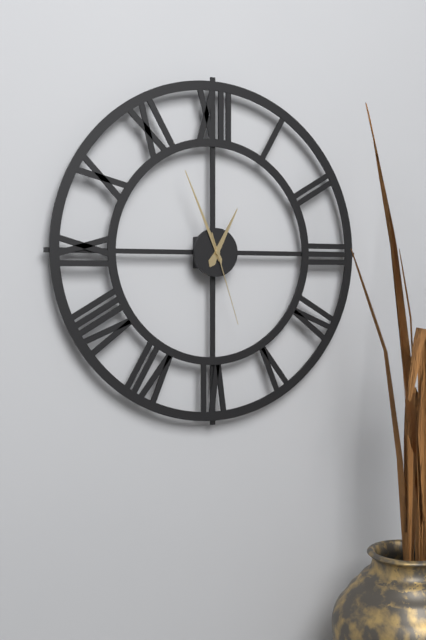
{"hour": 12, "minute": 56, "second": 27}
